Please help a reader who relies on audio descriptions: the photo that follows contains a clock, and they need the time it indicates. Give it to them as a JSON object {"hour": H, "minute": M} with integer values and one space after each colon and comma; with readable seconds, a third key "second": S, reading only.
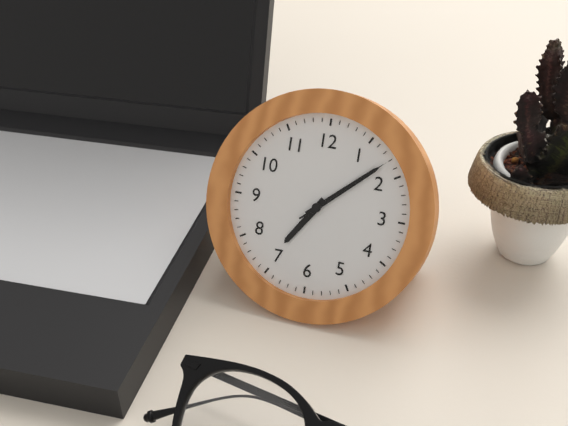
{"hour": 7, "minute": 8, "second": 8}
